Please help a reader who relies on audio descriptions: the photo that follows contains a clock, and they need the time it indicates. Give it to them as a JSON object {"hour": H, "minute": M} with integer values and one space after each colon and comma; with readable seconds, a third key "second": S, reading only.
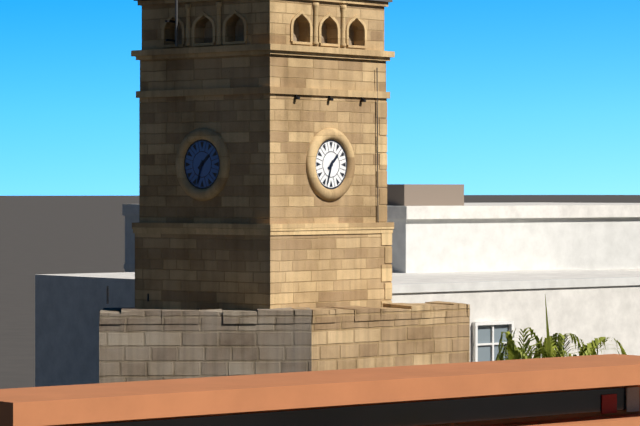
{"hour": 1, "minute": 33}
